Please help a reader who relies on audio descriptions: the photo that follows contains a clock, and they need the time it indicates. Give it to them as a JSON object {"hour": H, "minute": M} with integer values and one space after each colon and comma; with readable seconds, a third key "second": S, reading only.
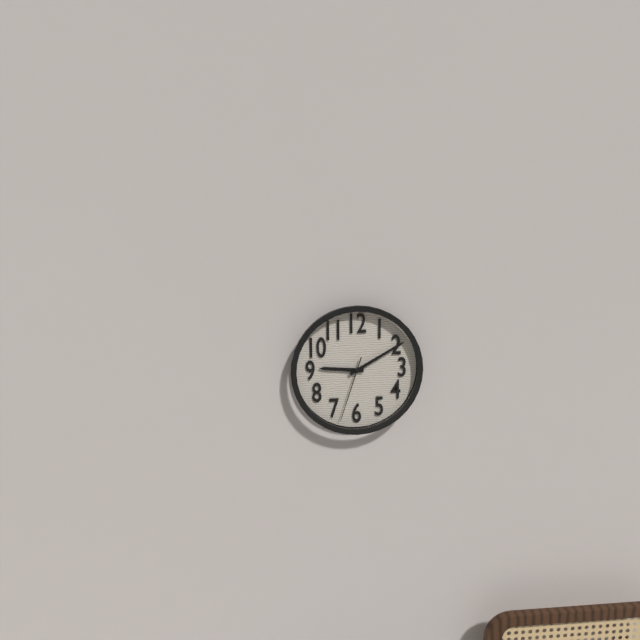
{"hour": 9, "minute": 10, "second": 33}
